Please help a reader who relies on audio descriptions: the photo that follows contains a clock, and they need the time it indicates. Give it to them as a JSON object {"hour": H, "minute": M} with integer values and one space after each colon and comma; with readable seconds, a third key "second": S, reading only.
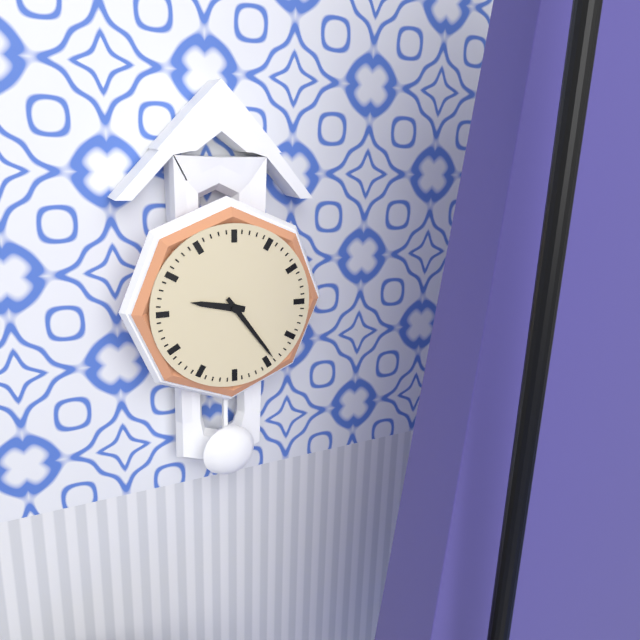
{"hour": 9, "minute": 24}
